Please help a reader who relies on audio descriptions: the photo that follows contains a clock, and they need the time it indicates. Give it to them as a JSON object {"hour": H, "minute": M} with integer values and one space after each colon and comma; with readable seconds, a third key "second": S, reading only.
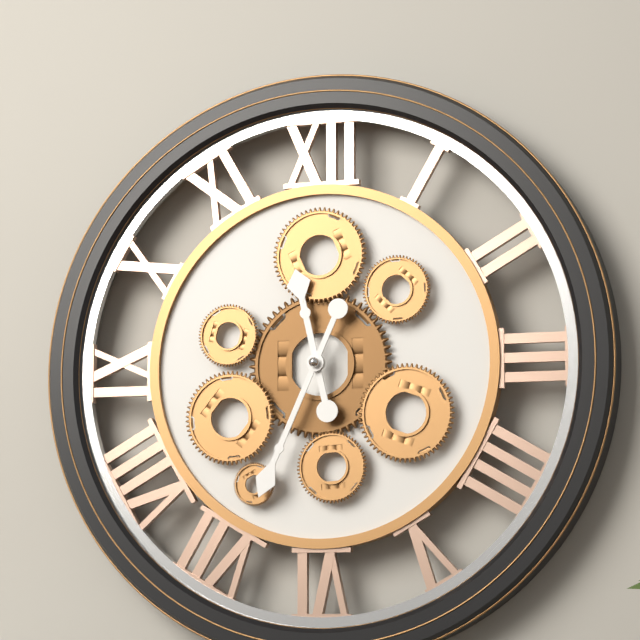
{"hour": 11, "minute": 34}
